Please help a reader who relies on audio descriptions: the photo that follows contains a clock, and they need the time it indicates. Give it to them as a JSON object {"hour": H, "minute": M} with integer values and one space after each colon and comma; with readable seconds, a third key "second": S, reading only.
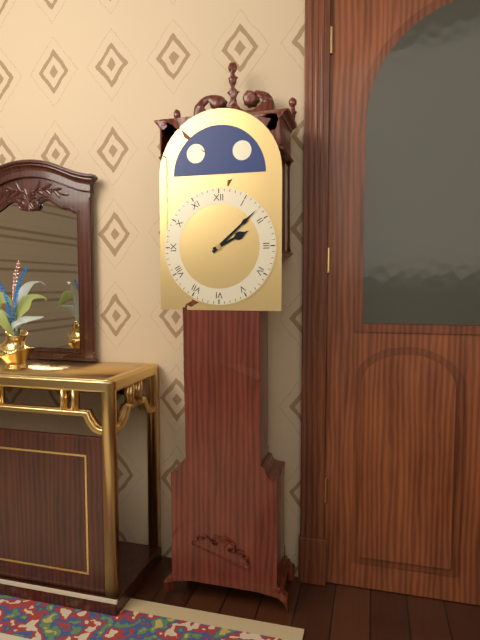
{"hour": 2, "minute": 8}
